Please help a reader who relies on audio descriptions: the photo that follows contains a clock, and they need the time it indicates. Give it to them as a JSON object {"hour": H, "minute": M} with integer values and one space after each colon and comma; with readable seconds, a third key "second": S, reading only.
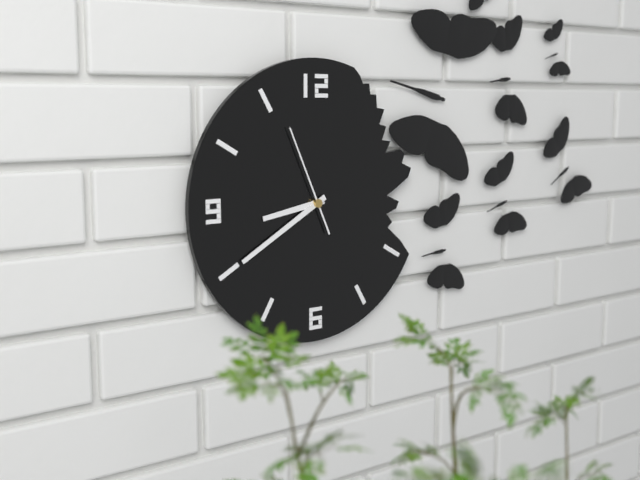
{"hour": 8, "minute": 40, "second": 56}
